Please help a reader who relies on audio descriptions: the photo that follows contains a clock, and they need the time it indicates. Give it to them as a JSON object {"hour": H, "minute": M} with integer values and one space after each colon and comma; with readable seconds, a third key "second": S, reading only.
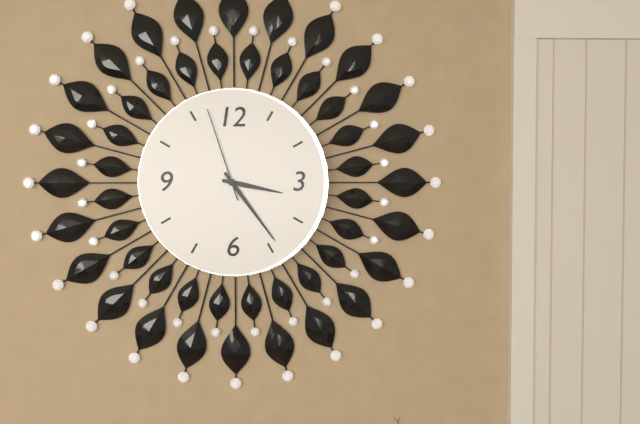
{"hour": 3, "minute": 24, "second": 57}
